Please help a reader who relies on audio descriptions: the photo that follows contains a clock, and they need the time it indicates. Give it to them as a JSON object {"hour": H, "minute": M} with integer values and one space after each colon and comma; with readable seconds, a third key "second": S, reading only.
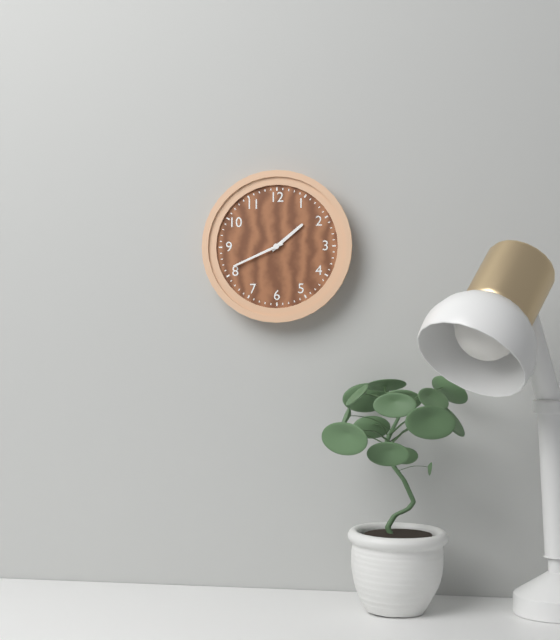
{"hour": 1, "minute": 41}
